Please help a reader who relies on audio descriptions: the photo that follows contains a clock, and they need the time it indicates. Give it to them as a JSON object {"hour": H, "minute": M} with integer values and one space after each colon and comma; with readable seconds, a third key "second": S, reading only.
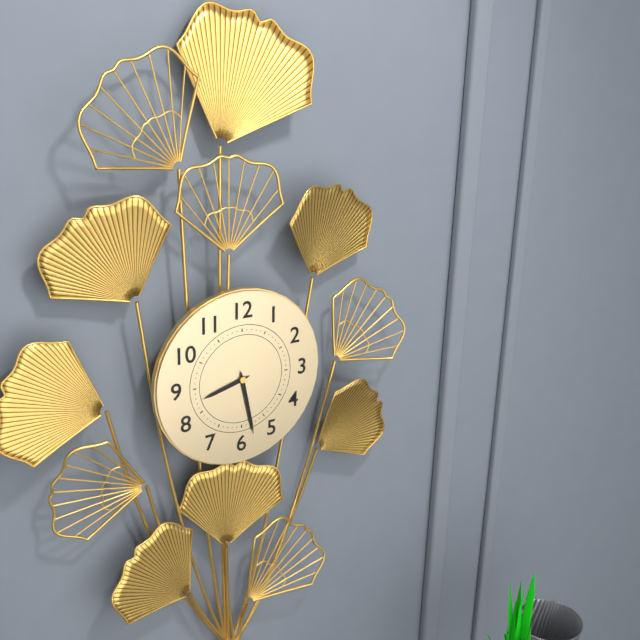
{"hour": 8, "minute": 28}
